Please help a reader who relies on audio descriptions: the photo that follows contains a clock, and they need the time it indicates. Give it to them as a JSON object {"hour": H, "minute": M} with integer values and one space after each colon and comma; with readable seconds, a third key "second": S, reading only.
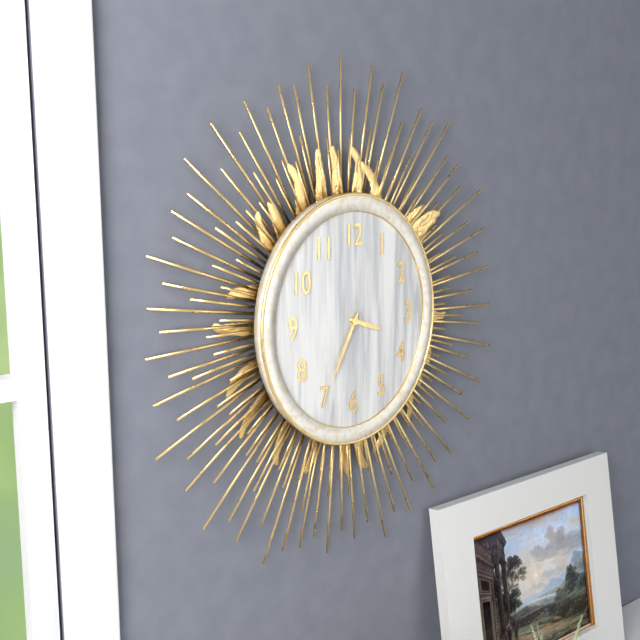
{"hour": 3, "minute": 35}
